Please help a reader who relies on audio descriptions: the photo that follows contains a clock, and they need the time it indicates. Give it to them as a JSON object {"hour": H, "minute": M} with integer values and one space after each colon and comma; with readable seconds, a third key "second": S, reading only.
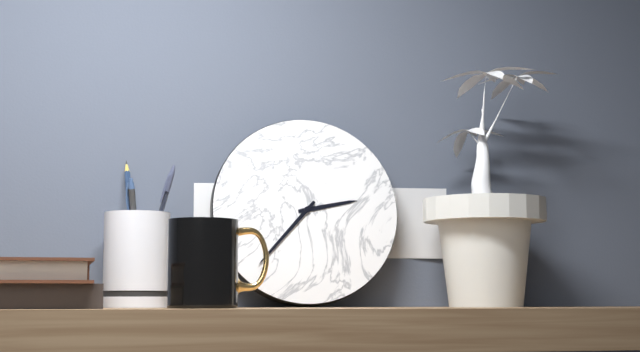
{"hour": 2, "minute": 37}
